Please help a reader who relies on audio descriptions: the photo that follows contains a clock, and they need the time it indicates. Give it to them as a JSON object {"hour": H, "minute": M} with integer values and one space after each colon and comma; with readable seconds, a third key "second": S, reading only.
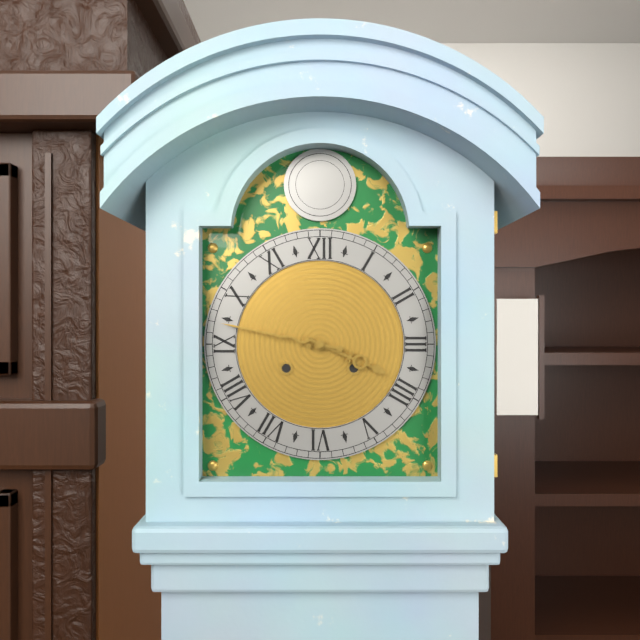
{"hour": 3, "minute": 47}
